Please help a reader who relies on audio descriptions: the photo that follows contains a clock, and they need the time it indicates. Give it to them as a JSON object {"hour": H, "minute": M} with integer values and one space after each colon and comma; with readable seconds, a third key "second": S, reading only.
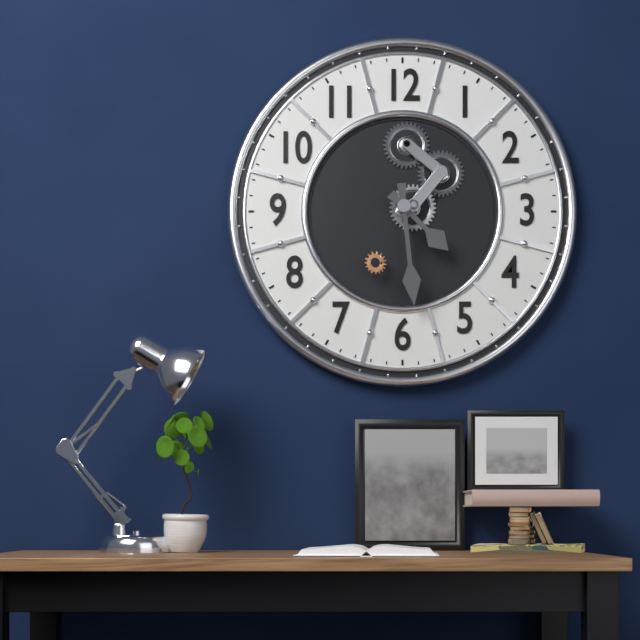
{"hour": 4, "minute": 29}
